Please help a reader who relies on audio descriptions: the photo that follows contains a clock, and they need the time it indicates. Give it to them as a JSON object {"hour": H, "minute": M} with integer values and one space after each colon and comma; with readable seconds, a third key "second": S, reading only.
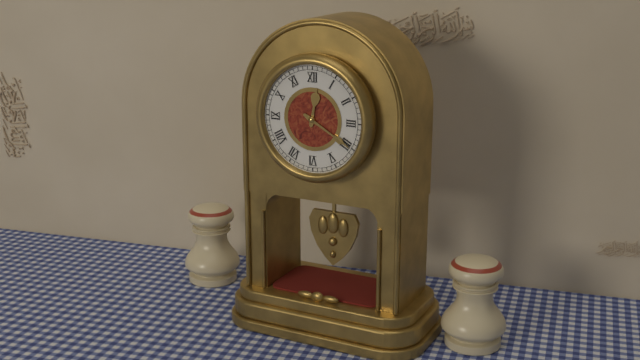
{"hour": 12, "minute": 20}
